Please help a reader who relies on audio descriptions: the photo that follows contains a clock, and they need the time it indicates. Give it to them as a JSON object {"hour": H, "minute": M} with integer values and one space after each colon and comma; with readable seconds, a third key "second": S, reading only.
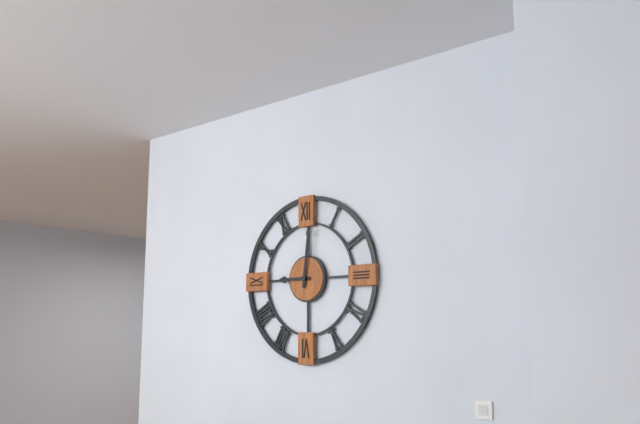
{"hour": 9, "minute": 1}
